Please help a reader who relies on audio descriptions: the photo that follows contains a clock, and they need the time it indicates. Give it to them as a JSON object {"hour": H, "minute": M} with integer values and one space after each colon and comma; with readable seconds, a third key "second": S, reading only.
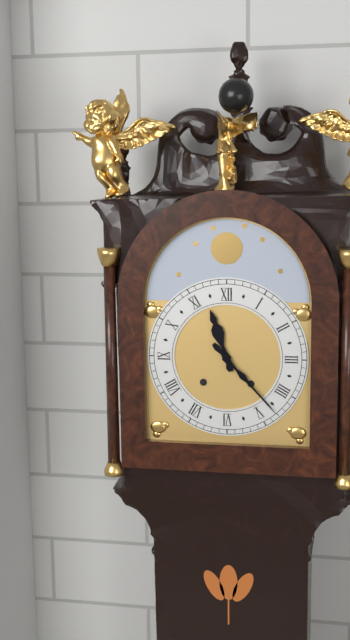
{"hour": 11, "minute": 23}
